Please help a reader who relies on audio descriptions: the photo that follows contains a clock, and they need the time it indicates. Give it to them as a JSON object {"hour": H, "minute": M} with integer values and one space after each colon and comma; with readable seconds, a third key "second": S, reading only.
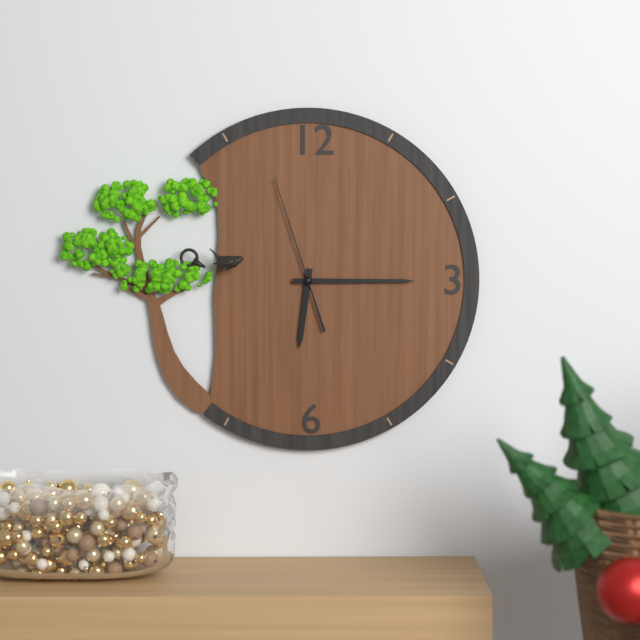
{"hour": 6, "minute": 15, "second": 57}
